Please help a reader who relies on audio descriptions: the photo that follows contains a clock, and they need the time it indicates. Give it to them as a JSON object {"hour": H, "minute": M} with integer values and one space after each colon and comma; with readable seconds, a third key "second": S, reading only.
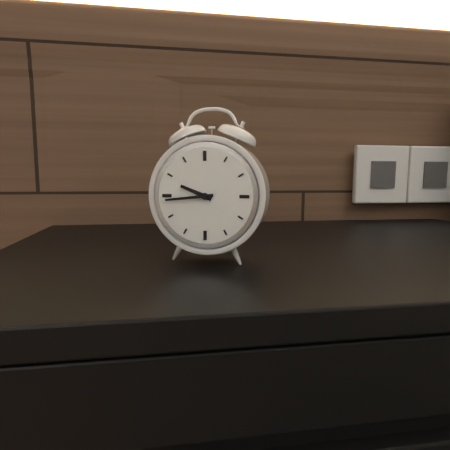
{"hour": 9, "minute": 44}
